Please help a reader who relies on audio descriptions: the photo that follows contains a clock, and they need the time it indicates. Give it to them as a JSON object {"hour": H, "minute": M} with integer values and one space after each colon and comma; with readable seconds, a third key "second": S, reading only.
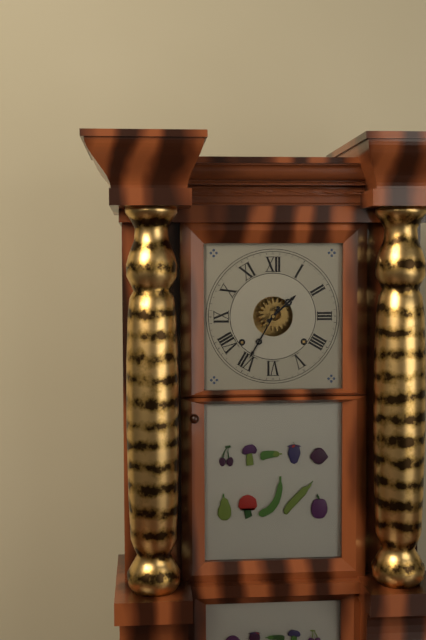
{"hour": 1, "minute": 35}
